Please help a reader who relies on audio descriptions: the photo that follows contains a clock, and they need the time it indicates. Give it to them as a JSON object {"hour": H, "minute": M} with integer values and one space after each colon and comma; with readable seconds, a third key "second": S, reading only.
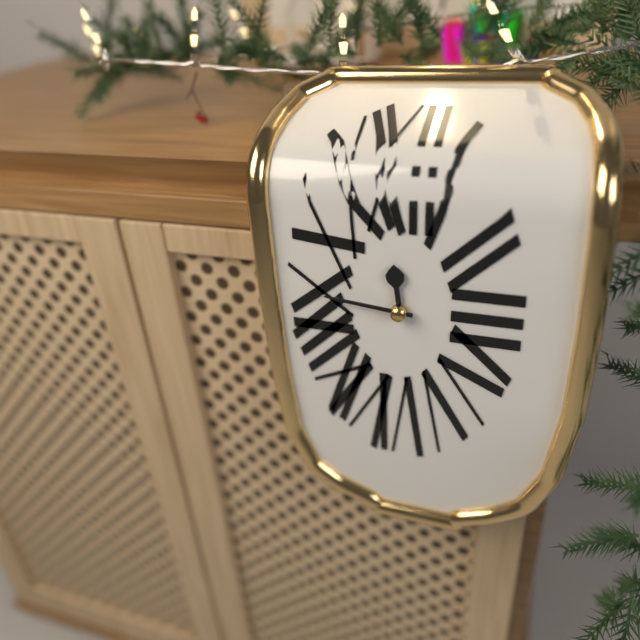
{"hour": 11, "minute": 46}
